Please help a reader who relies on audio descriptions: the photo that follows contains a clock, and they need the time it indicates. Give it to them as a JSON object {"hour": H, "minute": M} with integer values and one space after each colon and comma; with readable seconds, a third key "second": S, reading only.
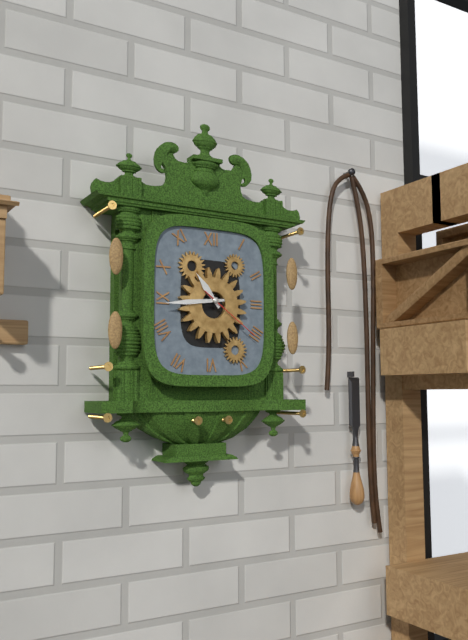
{"hour": 10, "minute": 44, "second": 21}
